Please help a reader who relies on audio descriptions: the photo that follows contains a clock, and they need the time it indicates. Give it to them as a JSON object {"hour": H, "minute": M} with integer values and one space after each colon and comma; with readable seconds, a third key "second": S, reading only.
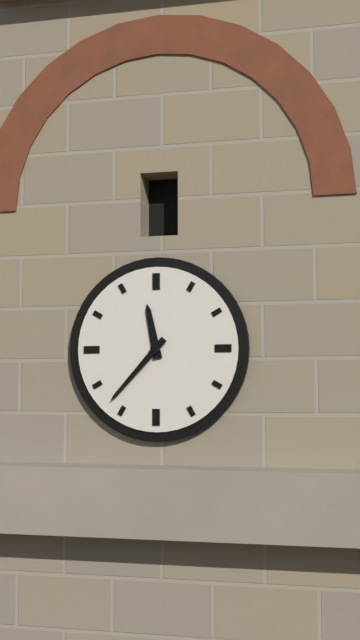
{"hour": 11, "minute": 37}
